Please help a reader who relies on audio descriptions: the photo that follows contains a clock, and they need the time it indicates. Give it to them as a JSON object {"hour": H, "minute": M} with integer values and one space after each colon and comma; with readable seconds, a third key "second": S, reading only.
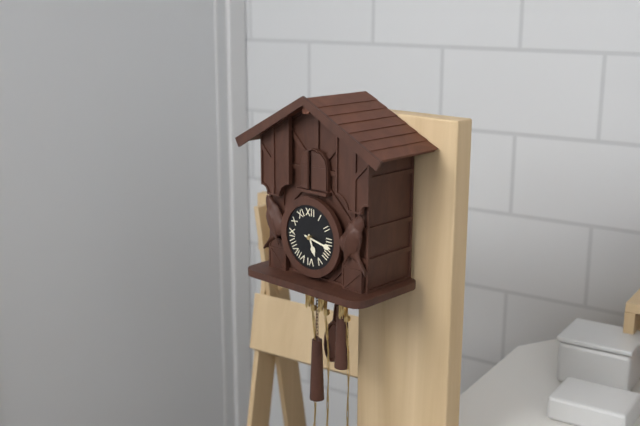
{"hour": 5, "minute": 17}
